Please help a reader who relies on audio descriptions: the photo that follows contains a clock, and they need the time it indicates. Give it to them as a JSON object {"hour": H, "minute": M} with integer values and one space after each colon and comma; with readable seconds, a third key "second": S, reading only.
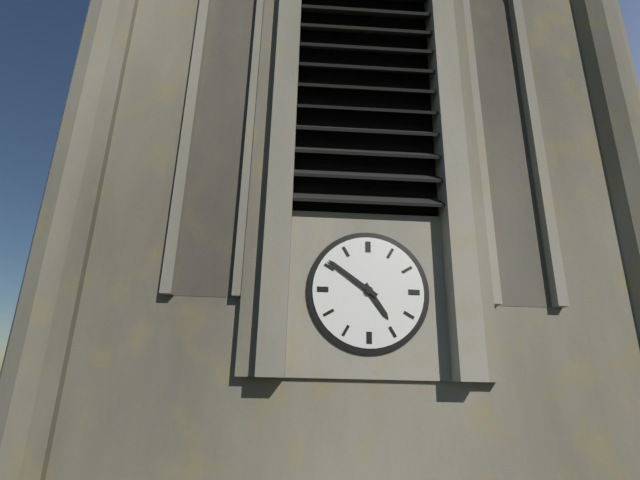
{"hour": 4, "minute": 51}
